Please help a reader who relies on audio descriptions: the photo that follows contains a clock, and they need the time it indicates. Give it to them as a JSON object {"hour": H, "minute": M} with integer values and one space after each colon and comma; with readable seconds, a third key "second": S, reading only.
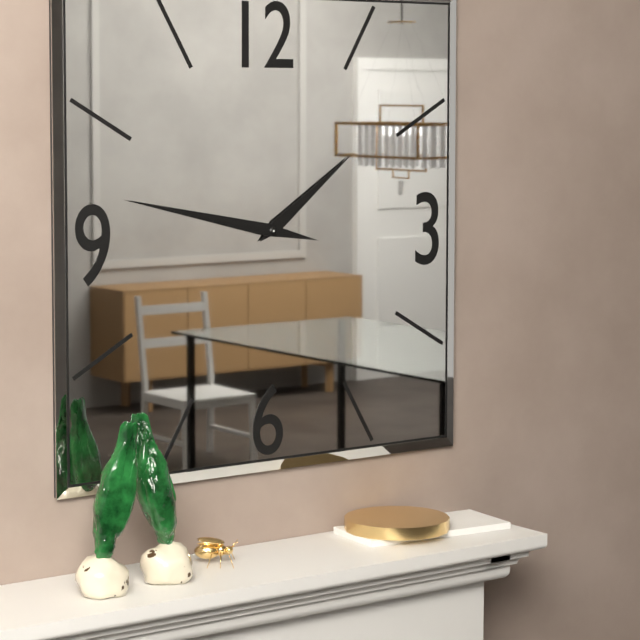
{"hour": 1, "minute": 47}
